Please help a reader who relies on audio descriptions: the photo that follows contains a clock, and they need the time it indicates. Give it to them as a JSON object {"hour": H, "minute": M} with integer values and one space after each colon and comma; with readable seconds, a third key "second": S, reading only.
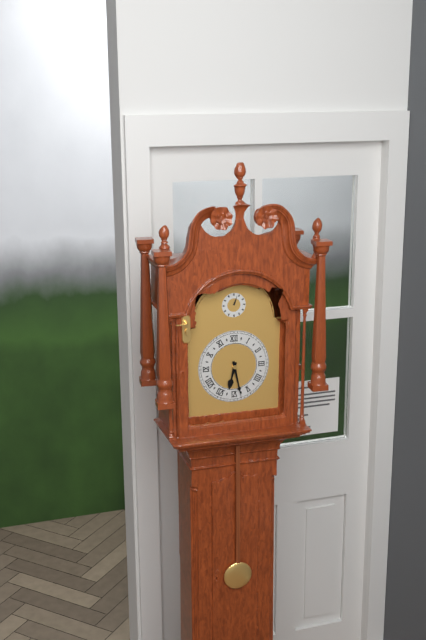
{"hour": 6, "minute": 28}
